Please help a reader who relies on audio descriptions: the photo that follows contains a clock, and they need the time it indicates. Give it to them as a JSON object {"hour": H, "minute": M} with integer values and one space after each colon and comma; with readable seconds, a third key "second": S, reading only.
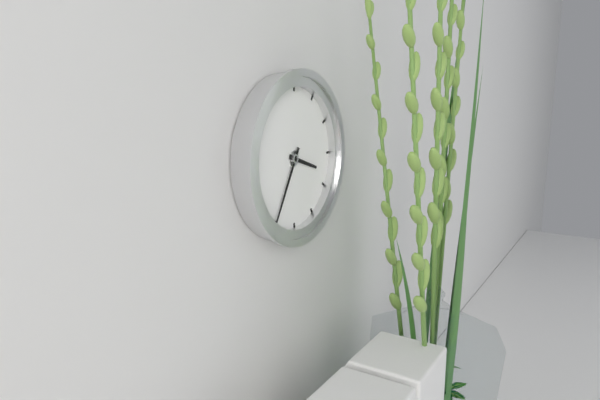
{"hour": 3, "minute": 35}
